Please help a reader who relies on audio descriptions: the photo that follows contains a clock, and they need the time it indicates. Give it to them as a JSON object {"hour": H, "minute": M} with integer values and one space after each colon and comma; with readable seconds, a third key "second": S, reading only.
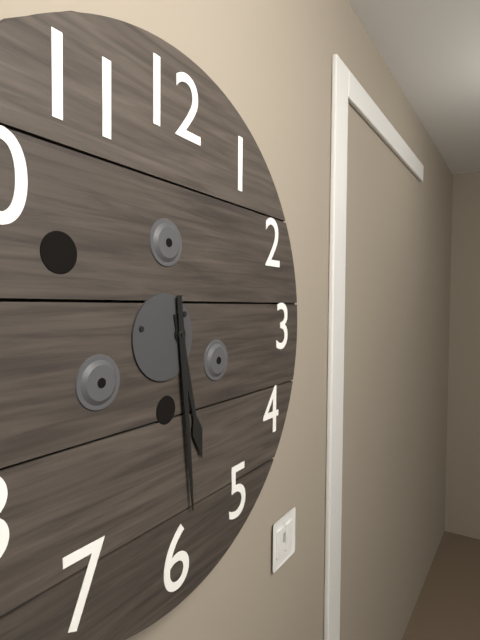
{"hour": 5, "minute": 29}
